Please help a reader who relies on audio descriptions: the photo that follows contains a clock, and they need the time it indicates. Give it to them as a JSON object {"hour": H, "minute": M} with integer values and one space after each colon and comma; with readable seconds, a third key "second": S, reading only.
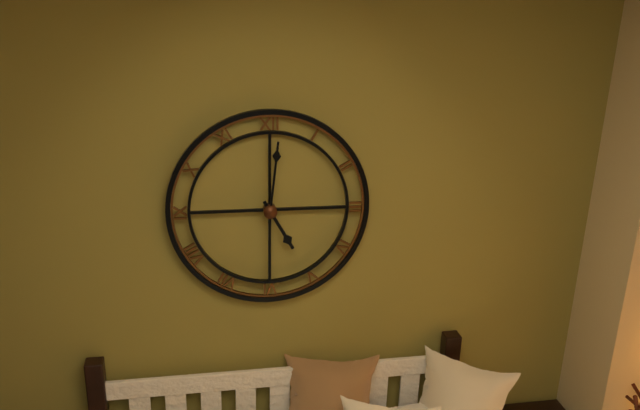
{"hour": 5, "minute": 1}
